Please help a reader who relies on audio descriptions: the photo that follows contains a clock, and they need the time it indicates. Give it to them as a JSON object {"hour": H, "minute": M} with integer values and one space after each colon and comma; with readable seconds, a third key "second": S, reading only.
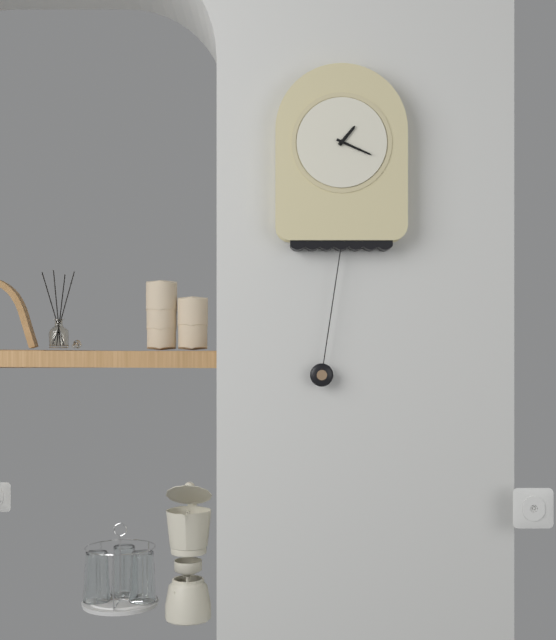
{"hour": 1, "minute": 19}
